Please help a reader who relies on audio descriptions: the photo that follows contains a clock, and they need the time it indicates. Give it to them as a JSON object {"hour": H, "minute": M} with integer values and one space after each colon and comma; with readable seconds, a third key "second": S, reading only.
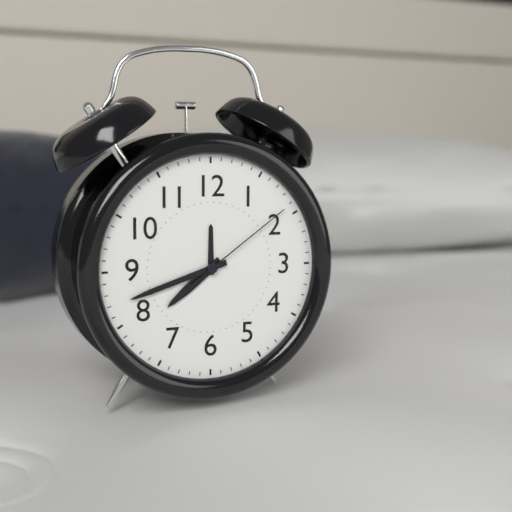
{"hour": 7, "minute": 42, "second": 9}
